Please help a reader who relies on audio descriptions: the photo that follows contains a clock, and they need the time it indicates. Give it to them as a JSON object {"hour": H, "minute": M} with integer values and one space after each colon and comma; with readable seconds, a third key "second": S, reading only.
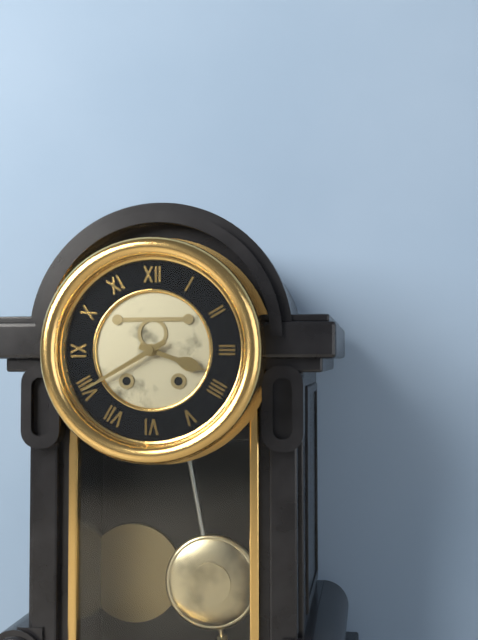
{"hour": 3, "minute": 40}
